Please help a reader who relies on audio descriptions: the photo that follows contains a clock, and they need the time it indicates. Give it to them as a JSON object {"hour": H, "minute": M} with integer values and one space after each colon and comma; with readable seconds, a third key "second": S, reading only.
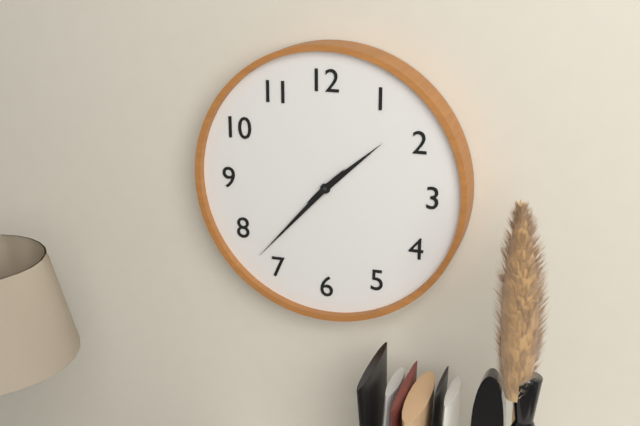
{"hour": 1, "minute": 37}
